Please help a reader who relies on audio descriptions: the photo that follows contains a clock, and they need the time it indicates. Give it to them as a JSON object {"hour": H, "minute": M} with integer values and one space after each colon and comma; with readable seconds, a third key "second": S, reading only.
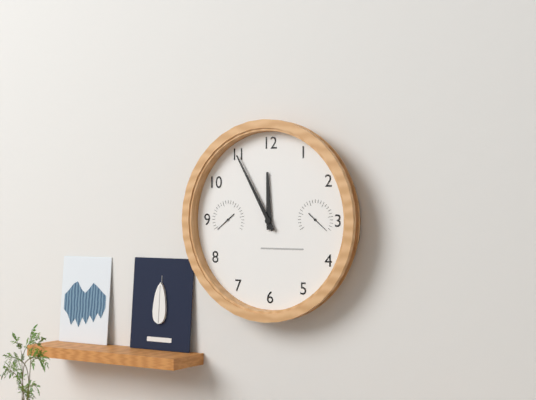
{"hour": 11, "minute": 55}
